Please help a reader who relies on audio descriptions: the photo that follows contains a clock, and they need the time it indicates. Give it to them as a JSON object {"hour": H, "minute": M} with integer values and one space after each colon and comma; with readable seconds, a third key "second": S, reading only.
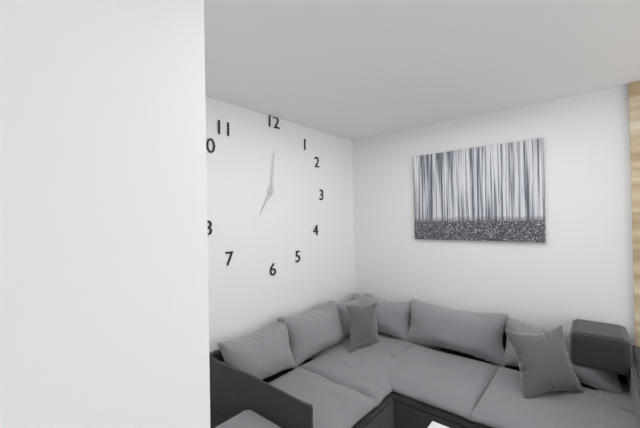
{"hour": 7, "minute": 1}
